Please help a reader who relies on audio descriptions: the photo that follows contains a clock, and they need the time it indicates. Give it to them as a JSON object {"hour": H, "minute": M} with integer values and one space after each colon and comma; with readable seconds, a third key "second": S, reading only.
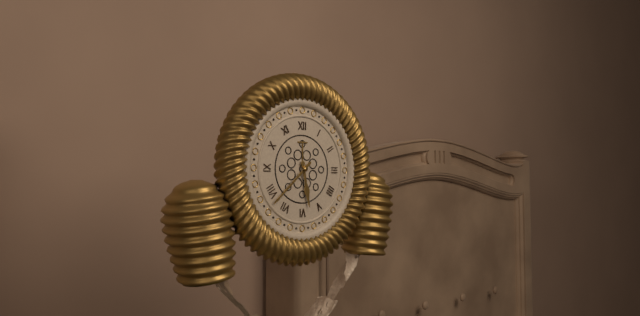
{"hour": 5, "minute": 38}
